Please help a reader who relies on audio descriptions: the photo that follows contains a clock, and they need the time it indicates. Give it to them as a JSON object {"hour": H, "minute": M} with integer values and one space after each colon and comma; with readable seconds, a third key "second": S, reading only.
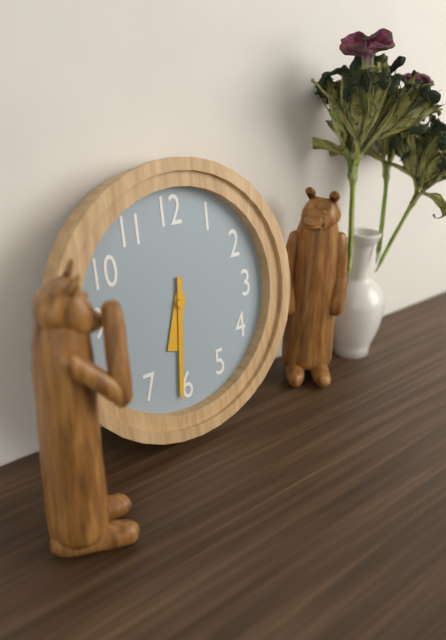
{"hour": 6, "minute": 31}
